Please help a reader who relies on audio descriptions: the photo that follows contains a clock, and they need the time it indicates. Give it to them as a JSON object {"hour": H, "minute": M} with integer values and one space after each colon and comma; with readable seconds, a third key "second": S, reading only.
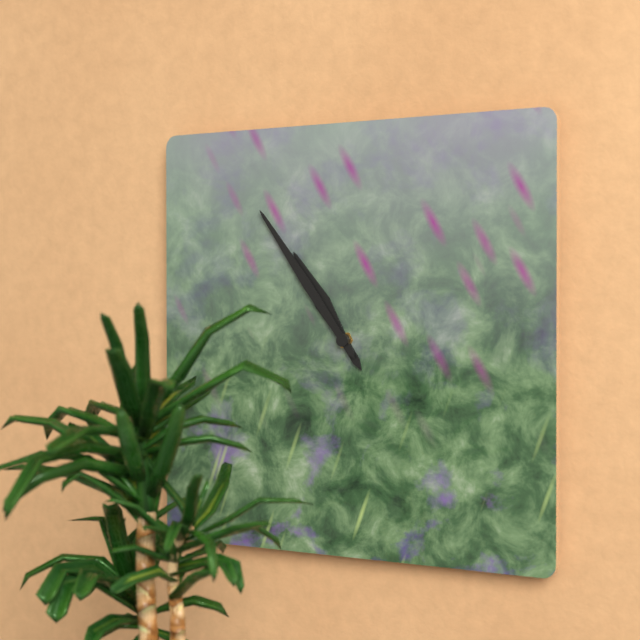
{"hour": 10, "minute": 54}
